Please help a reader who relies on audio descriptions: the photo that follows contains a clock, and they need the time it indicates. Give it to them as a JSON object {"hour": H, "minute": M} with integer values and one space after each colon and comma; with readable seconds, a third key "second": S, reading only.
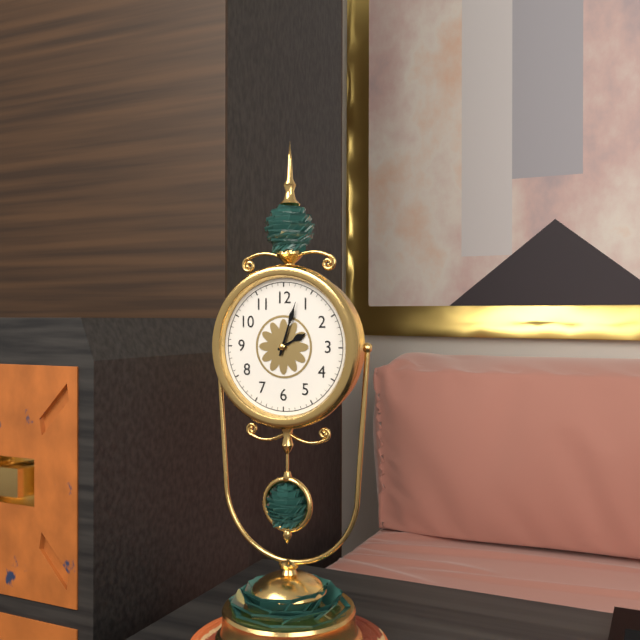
{"hour": 2, "minute": 3}
